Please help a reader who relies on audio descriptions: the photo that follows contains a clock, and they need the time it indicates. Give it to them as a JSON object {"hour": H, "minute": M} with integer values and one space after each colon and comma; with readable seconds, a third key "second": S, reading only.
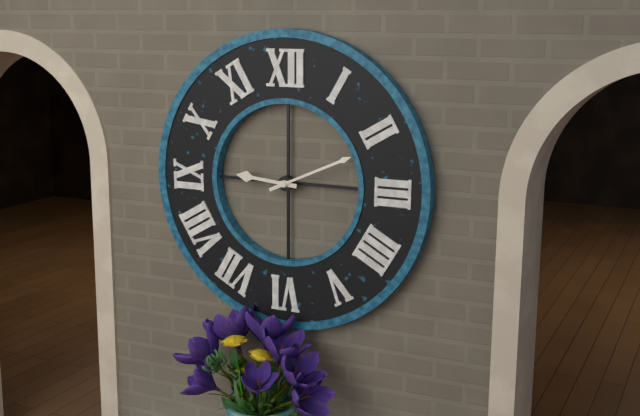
{"hour": 9, "minute": 11}
